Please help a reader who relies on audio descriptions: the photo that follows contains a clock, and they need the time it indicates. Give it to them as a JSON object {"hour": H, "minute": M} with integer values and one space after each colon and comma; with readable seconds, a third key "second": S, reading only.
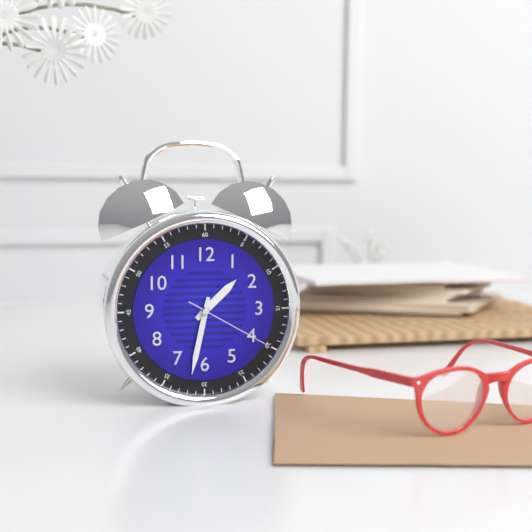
{"hour": 1, "minute": 32, "second": 20}
